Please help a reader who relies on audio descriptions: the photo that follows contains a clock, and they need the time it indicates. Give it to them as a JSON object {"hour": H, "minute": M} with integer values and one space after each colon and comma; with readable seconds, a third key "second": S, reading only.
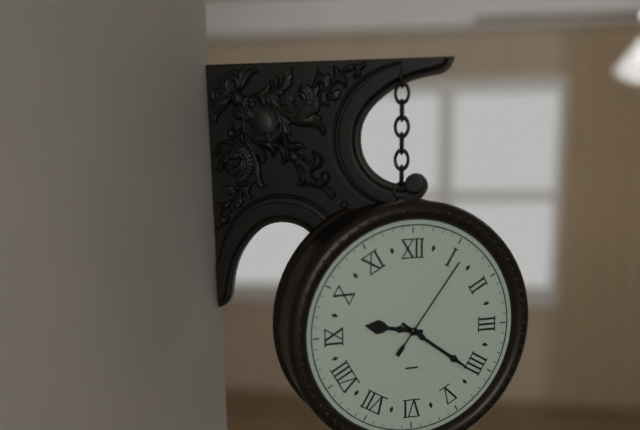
{"hour": 9, "minute": 21, "second": 6}
